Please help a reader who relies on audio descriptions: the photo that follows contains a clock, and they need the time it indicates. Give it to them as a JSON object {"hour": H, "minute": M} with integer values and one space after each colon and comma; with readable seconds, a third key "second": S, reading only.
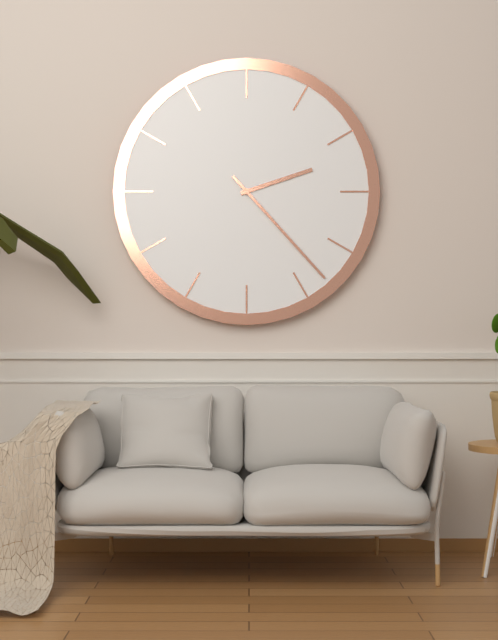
{"hour": 2, "minute": 23}
